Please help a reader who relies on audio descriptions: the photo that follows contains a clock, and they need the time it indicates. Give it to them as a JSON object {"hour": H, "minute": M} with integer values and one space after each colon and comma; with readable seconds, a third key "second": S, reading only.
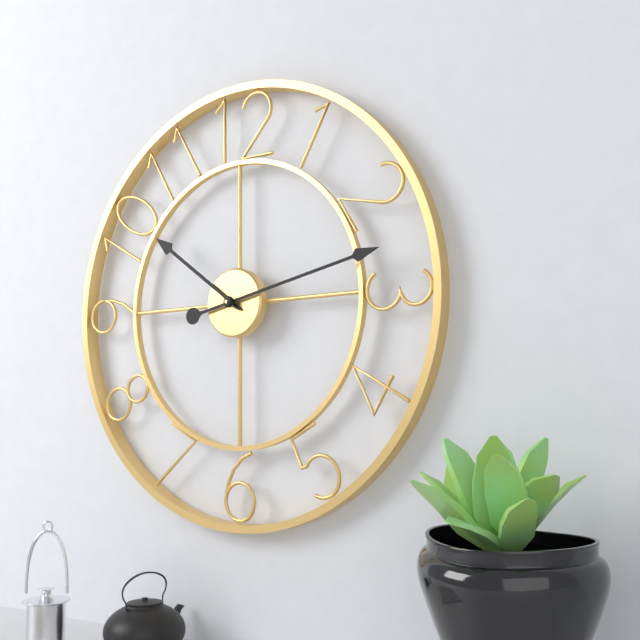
{"hour": 10, "minute": 13}
